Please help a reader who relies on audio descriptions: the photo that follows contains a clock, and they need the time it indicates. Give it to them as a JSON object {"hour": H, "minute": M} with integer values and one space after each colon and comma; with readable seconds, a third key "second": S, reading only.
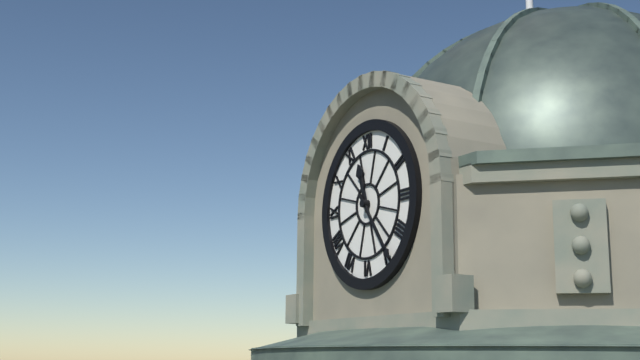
{"hour": 11, "minute": 24}
